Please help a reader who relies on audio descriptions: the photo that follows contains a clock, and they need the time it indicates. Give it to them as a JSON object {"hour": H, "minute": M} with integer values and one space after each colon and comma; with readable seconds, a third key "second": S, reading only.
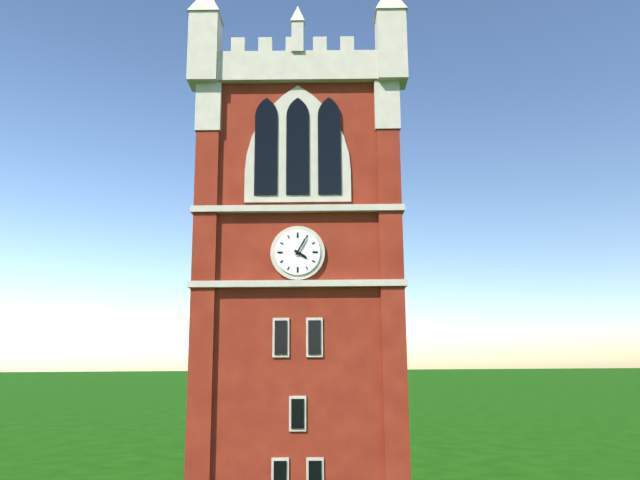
{"hour": 4, "minute": 5}
